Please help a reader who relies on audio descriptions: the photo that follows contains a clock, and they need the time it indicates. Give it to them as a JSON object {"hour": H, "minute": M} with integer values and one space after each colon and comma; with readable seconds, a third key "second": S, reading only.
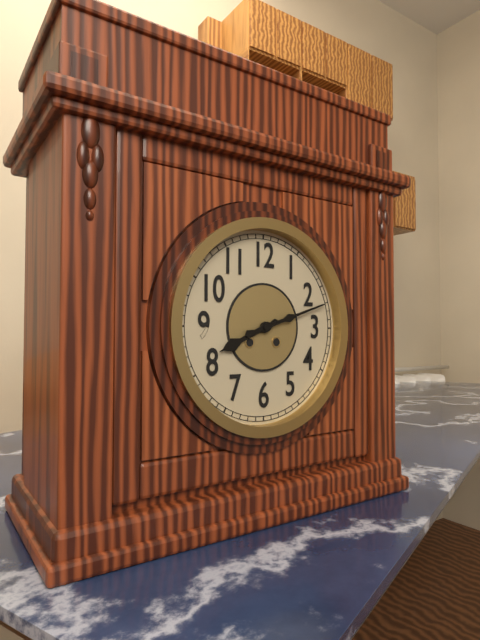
{"hour": 8, "minute": 12}
